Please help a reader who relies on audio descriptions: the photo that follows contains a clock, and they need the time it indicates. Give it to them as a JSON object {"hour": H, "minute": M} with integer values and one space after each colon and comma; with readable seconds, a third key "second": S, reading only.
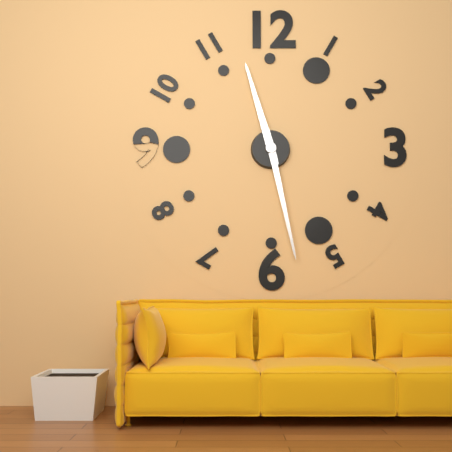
{"hour": 11, "minute": 28}
